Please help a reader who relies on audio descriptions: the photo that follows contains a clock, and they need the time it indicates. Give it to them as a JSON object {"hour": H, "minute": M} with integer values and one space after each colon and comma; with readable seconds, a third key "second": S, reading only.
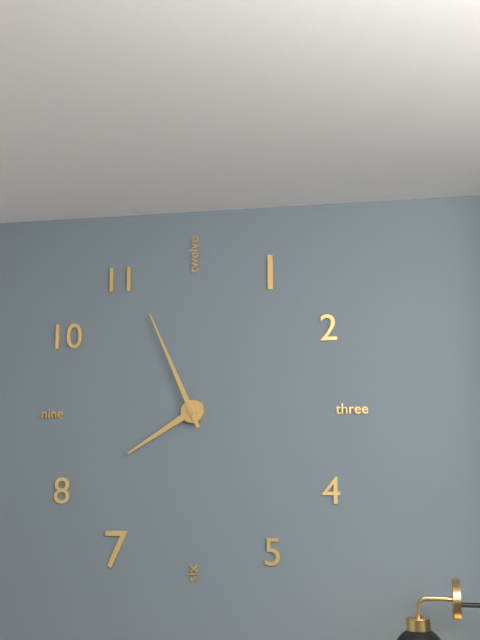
{"hour": 7, "minute": 56}
